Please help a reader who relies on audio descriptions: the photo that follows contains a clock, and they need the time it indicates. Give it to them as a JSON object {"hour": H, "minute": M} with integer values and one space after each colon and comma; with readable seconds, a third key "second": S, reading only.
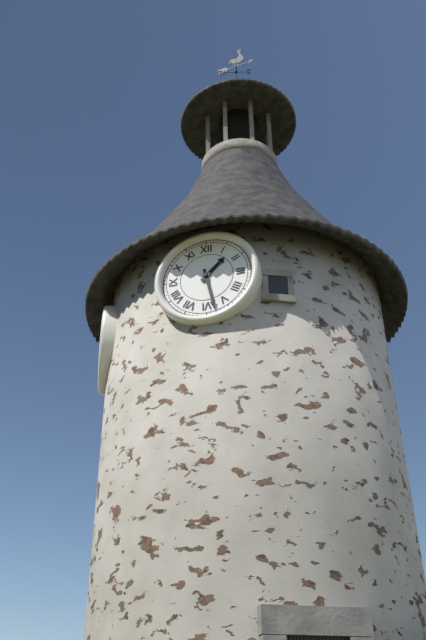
{"hour": 1, "minute": 28}
